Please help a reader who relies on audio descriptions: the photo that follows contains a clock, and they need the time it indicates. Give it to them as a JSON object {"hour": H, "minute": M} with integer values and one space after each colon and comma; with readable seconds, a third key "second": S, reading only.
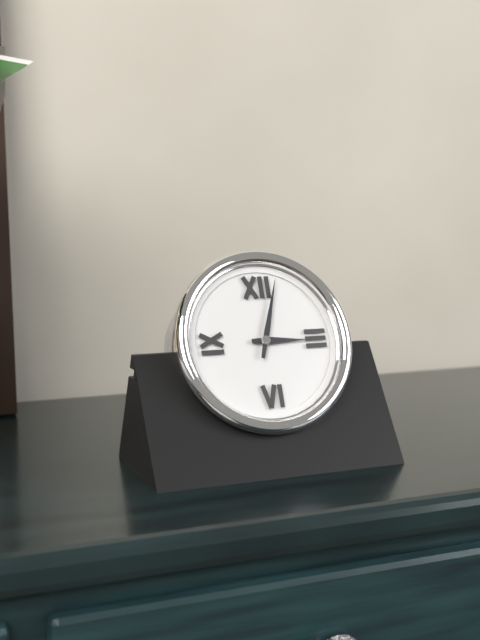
{"hour": 3, "minute": 3}
